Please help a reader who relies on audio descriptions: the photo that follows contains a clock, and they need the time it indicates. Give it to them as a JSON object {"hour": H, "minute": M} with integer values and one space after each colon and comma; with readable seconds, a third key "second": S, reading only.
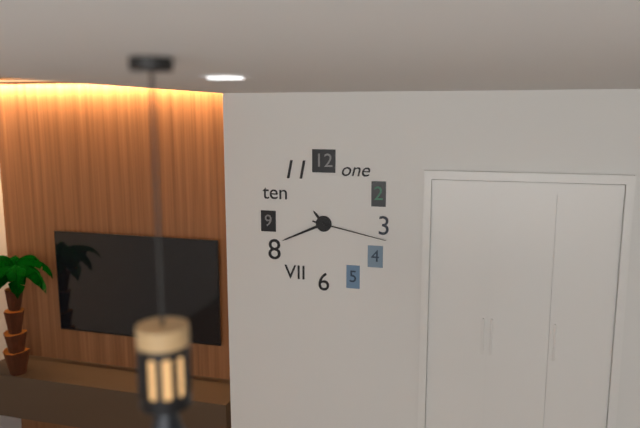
{"hour": 10, "minute": 41, "second": 17}
